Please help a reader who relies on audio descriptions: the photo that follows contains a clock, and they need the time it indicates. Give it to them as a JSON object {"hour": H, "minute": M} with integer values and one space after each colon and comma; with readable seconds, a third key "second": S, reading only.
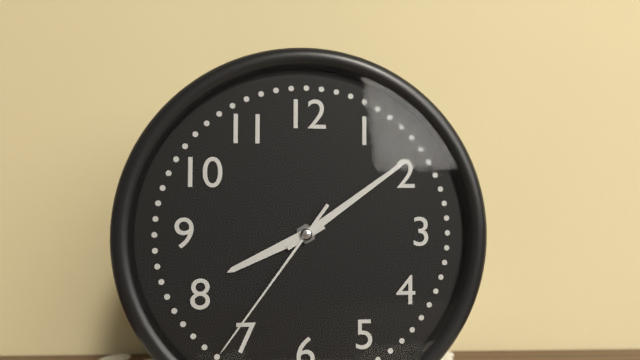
{"hour": 8, "minute": 9, "second": 36}
